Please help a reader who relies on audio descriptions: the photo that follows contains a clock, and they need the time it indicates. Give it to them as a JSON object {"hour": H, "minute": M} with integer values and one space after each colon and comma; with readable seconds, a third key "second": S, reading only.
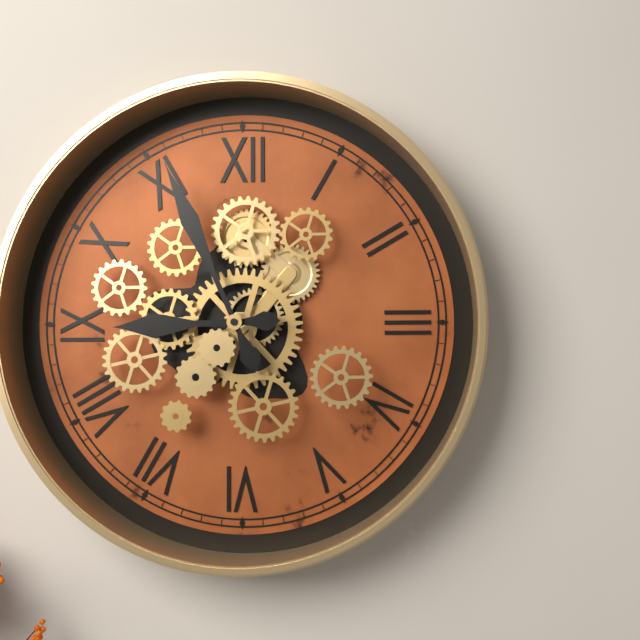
{"hour": 8, "minute": 56}
